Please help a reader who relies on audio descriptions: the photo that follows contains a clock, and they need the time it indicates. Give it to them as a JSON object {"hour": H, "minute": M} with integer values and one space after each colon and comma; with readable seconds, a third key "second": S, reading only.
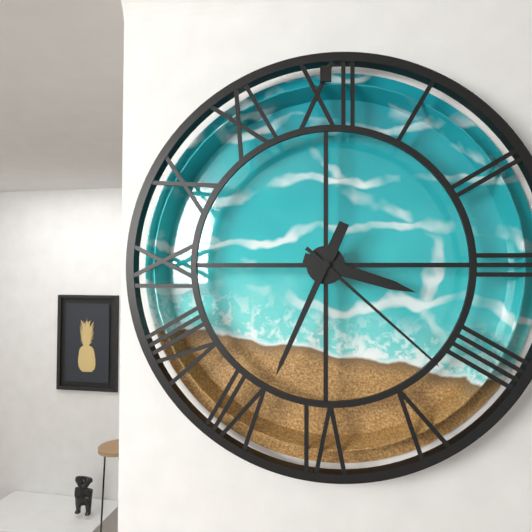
{"hour": 3, "minute": 34, "second": 22}
